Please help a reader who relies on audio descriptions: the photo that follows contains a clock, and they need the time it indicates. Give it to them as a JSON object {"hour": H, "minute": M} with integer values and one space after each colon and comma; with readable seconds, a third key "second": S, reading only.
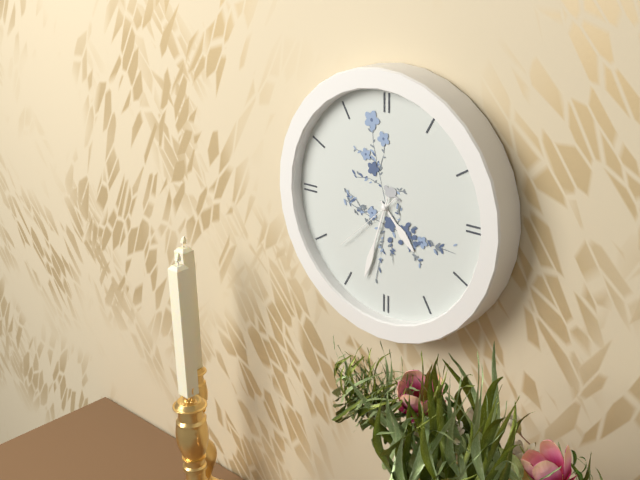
{"hour": 4, "minute": 33, "second": 38}
